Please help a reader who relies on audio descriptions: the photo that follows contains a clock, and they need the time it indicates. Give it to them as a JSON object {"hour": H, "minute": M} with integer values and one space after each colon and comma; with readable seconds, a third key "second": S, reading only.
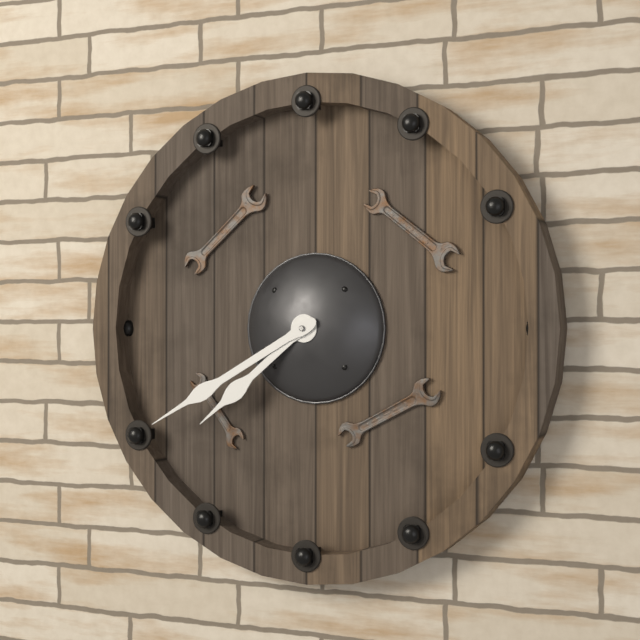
{"hour": 7, "minute": 40}
